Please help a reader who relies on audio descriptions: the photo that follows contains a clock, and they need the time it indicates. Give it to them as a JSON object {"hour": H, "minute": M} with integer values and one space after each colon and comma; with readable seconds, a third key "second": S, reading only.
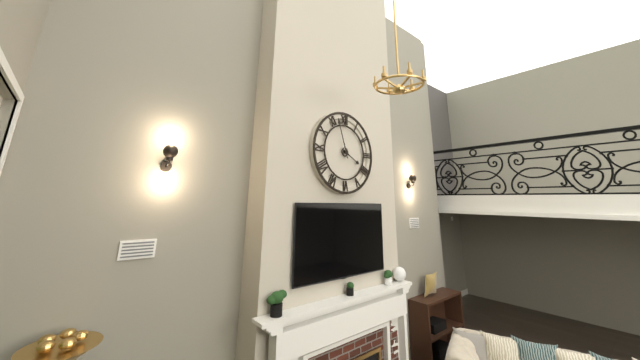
{"hour": 3, "minute": 57}
